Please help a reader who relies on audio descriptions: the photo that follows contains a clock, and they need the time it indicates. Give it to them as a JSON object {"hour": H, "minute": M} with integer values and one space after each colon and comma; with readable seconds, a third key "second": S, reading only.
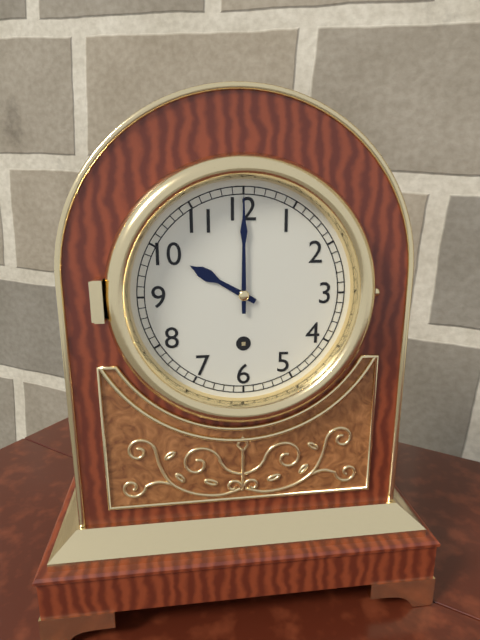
{"hour": 10, "minute": 0}
